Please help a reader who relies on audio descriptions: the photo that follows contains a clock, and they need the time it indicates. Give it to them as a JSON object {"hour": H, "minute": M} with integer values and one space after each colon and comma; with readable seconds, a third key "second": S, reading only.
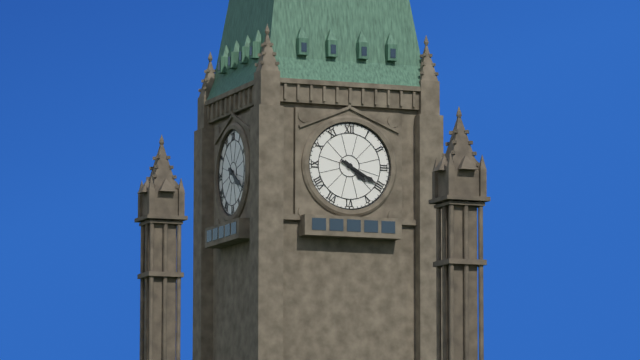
{"hour": 4, "minute": 20}
